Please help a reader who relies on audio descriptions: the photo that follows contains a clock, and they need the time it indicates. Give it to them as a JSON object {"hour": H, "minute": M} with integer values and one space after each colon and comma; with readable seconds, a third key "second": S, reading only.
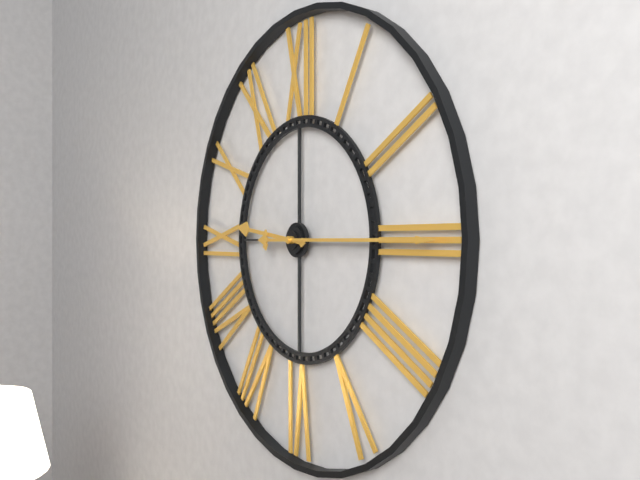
{"hour": 9, "minute": 15}
